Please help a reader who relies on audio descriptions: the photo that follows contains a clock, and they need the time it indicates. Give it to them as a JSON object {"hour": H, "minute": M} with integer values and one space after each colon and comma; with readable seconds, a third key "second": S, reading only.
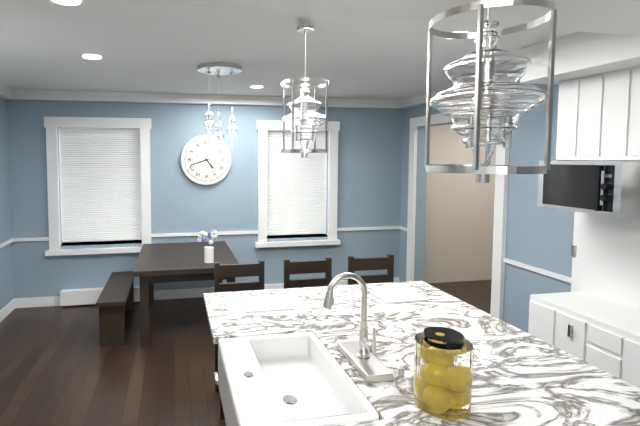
{"hour": 4, "minute": 42}
